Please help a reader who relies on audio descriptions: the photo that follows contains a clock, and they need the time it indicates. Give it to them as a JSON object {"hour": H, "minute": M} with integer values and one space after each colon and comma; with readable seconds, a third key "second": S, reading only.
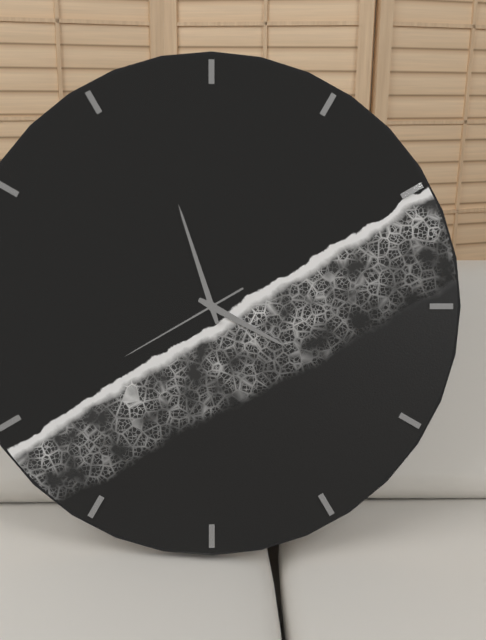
{"hour": 3, "minute": 57, "second": 40}
